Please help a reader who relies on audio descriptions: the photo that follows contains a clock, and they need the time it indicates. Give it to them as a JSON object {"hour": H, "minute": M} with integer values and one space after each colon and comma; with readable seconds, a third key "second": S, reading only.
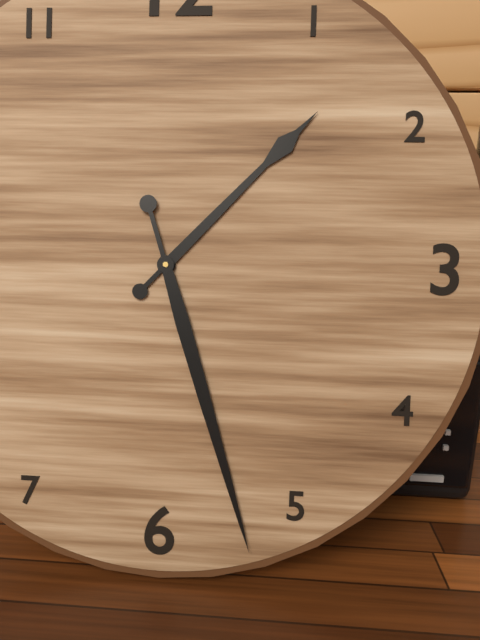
{"hour": 1, "minute": 27}
